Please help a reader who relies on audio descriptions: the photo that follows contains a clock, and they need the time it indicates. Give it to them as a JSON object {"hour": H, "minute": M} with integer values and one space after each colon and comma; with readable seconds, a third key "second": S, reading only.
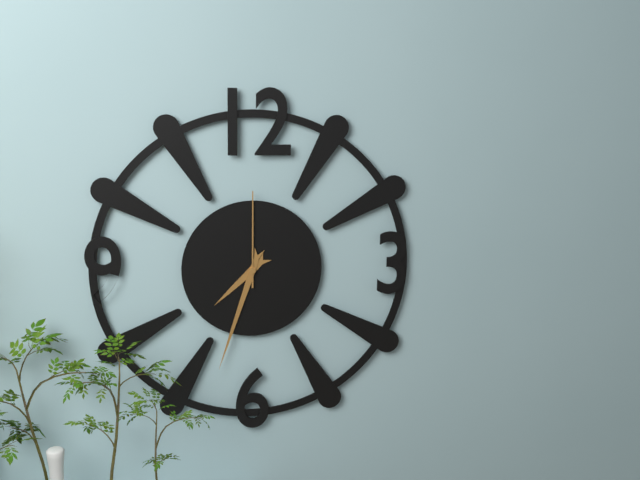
{"hour": 7, "minute": 33, "second": 0}
